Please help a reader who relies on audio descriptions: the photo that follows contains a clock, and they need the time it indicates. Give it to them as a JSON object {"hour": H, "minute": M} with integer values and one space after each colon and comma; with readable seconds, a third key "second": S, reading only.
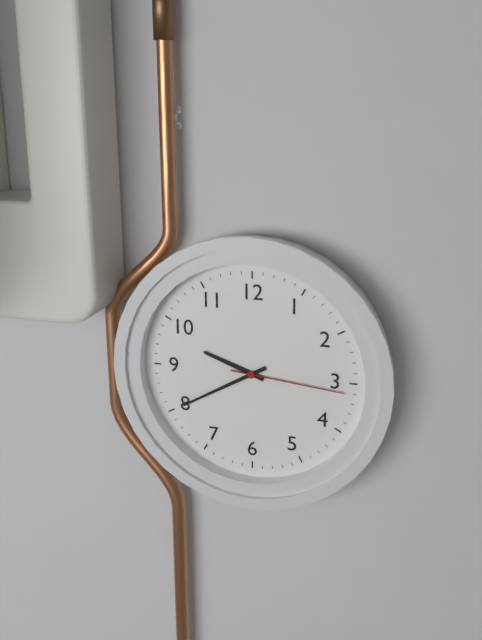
{"hour": 9, "minute": 40, "second": 16}
